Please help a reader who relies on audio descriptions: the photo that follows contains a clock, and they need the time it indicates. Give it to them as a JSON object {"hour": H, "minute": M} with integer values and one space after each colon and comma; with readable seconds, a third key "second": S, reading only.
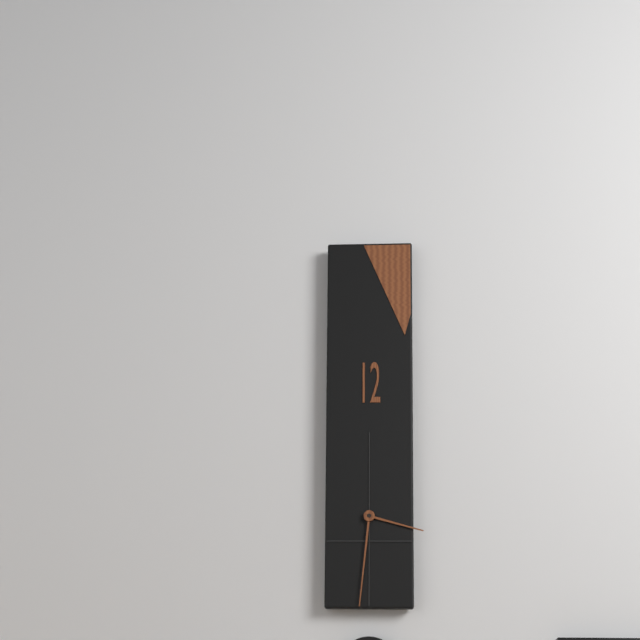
{"hour": 3, "minute": 31}
